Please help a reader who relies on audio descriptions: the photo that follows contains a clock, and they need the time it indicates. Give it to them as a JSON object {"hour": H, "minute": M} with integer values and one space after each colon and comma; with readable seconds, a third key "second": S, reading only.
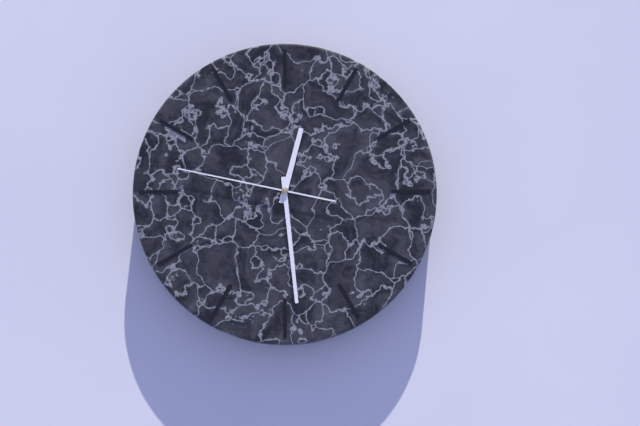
{"hour": 12, "minute": 29, "second": 47}
